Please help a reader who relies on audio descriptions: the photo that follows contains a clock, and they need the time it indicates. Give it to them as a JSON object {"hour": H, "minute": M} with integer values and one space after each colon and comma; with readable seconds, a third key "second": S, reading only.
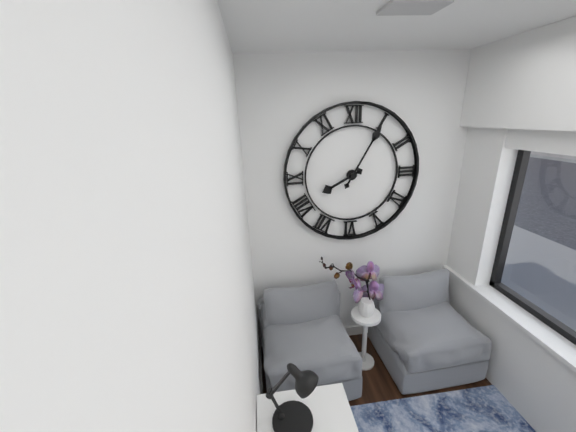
{"hour": 8, "minute": 5}
